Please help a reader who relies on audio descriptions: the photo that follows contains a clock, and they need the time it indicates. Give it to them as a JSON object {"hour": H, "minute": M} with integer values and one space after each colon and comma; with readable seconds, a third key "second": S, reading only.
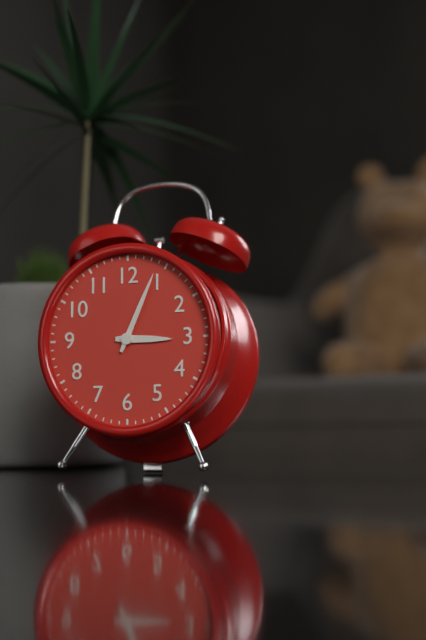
{"hour": 3, "minute": 4}
